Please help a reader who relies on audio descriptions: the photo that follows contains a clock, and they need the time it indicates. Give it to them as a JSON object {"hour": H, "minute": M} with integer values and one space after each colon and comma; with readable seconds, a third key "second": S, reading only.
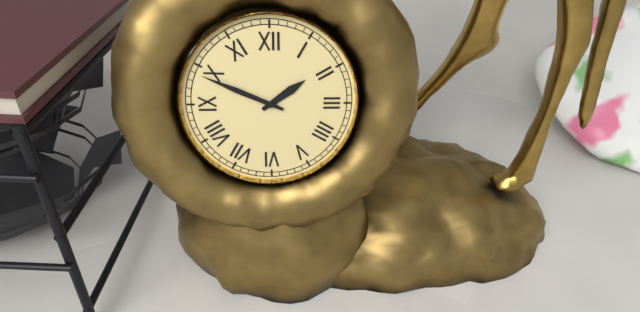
{"hour": 1, "minute": 49}
